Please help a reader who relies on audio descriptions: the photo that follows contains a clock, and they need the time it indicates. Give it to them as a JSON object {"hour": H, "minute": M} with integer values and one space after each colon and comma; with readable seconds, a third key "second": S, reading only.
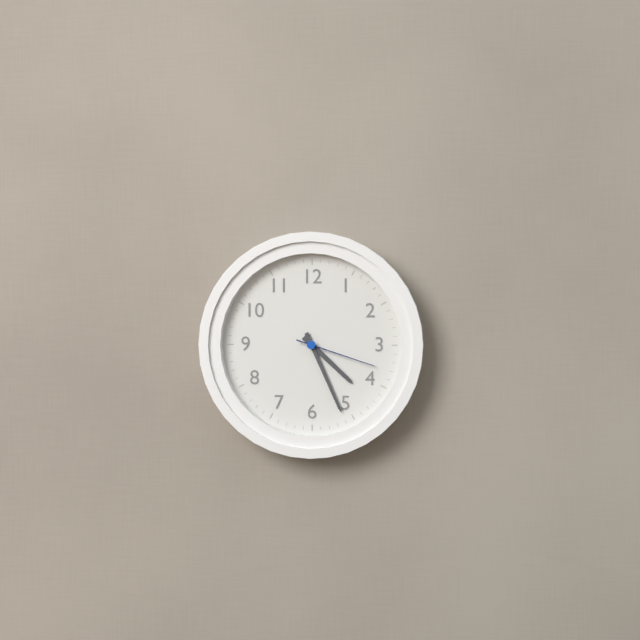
{"hour": 4, "minute": 26, "second": 18}
